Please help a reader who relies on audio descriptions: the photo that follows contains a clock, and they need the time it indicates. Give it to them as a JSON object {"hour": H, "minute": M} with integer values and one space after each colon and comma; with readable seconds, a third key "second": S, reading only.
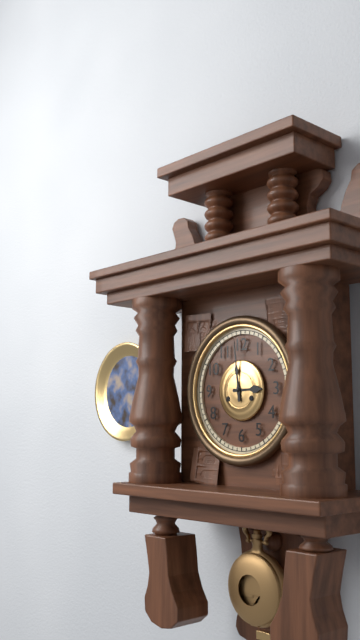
{"hour": 2, "minute": 59}
